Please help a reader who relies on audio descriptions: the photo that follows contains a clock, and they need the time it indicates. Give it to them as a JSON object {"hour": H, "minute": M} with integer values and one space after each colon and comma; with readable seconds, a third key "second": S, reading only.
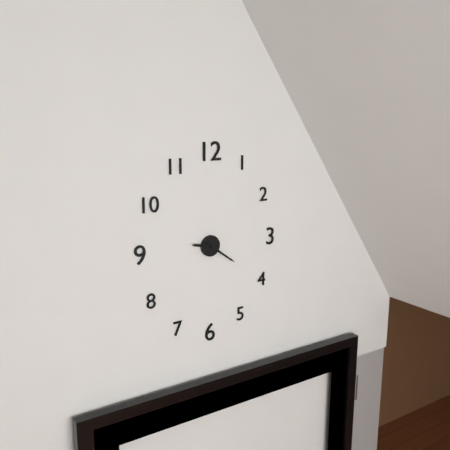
{"hour": 9, "minute": 21}
